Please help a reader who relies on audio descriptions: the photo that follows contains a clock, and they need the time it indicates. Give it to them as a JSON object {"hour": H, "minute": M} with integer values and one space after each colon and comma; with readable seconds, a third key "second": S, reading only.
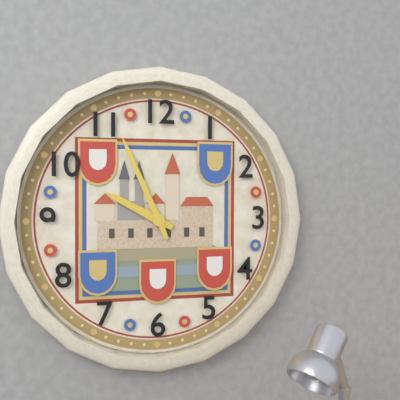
{"hour": 9, "minute": 56}
